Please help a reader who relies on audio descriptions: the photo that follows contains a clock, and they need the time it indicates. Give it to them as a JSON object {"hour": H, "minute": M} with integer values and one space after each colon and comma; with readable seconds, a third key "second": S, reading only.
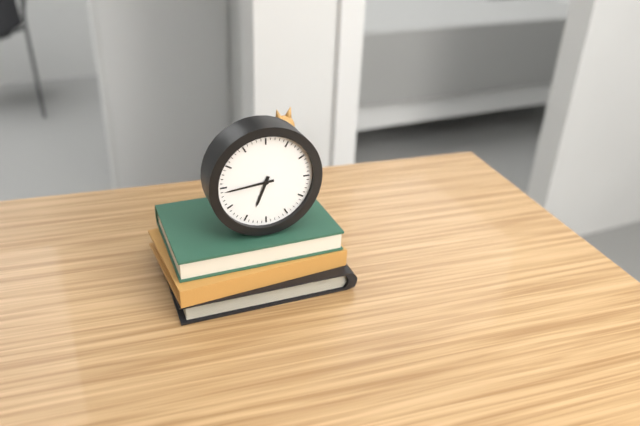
{"hour": 6, "minute": 44}
